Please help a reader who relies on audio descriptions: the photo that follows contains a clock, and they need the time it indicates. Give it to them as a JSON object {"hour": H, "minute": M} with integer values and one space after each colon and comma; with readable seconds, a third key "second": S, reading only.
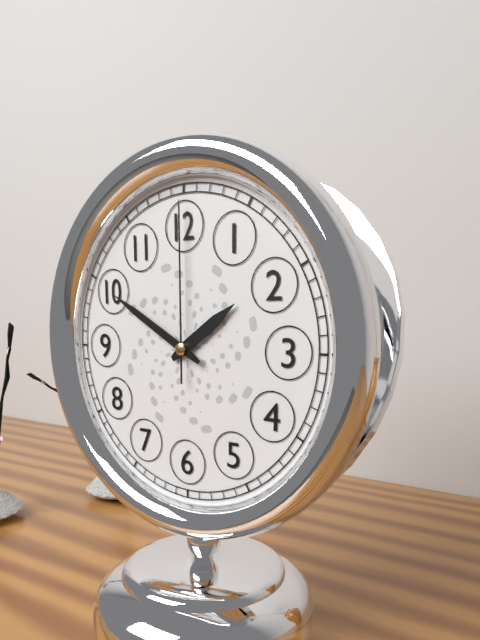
{"hour": 1, "minute": 50, "second": 0}
